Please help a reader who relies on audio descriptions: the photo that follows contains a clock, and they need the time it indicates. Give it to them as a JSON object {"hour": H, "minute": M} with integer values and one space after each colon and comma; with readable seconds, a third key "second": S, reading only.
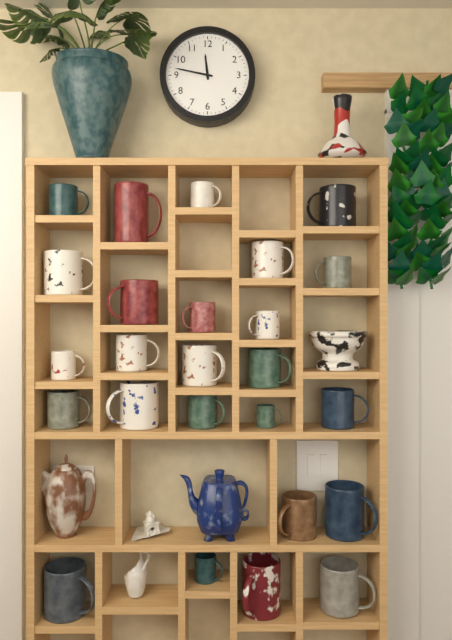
{"hour": 11, "minute": 47}
